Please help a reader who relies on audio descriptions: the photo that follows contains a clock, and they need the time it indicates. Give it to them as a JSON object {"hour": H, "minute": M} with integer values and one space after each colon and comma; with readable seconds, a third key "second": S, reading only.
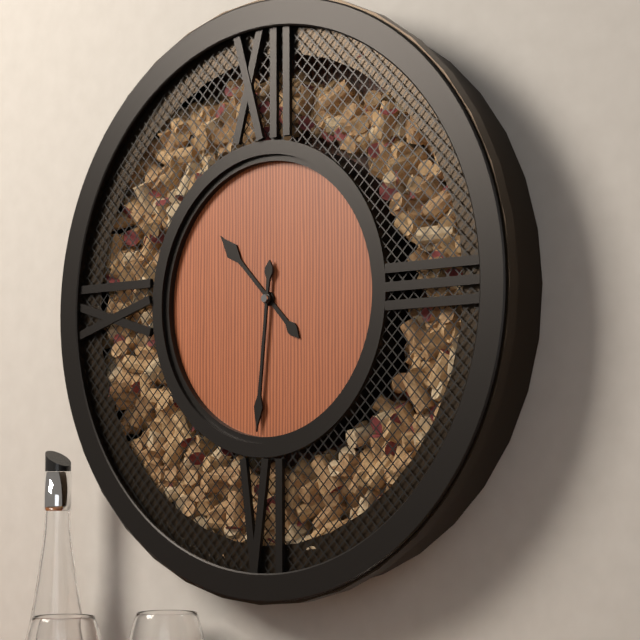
{"hour": 10, "minute": 31}
